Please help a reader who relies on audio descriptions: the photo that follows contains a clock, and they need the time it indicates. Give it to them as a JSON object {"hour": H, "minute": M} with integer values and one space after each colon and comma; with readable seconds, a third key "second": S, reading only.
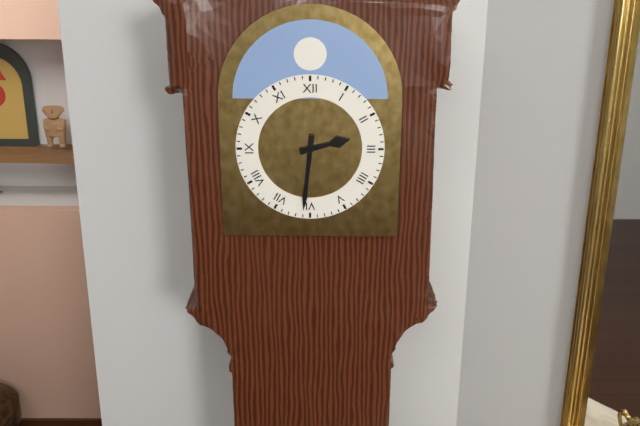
{"hour": 2, "minute": 31}
